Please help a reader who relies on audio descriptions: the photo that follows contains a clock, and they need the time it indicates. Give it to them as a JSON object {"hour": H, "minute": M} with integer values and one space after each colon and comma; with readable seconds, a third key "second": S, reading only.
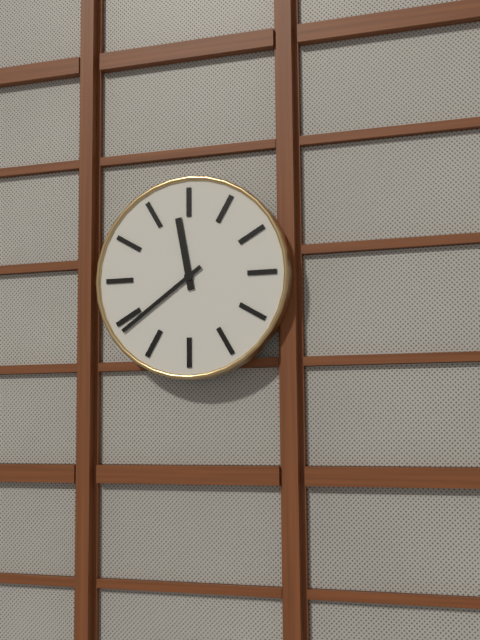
{"hour": 11, "minute": 39}
